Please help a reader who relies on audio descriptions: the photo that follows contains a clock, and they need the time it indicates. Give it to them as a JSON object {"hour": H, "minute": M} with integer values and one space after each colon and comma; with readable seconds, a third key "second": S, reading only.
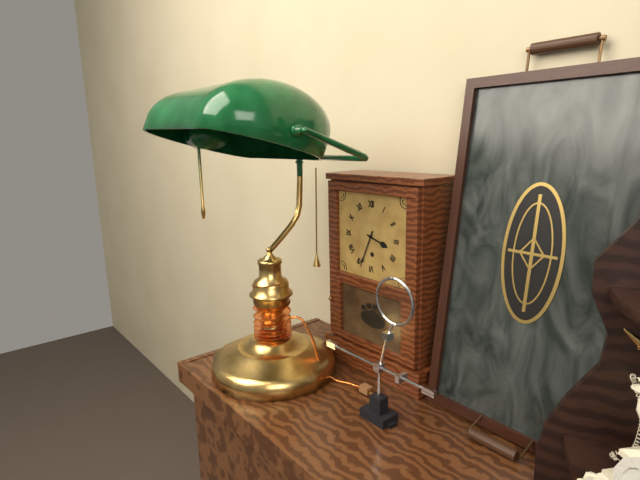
{"hour": 3, "minute": 34}
